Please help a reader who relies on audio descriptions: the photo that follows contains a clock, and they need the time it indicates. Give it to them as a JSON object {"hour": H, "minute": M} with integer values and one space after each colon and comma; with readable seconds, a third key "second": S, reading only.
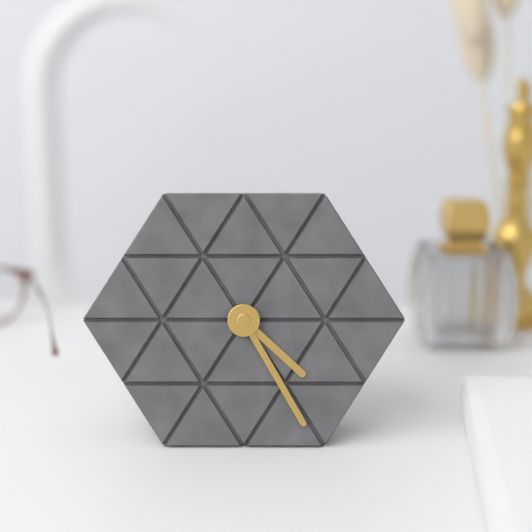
{"hour": 4, "minute": 25}
